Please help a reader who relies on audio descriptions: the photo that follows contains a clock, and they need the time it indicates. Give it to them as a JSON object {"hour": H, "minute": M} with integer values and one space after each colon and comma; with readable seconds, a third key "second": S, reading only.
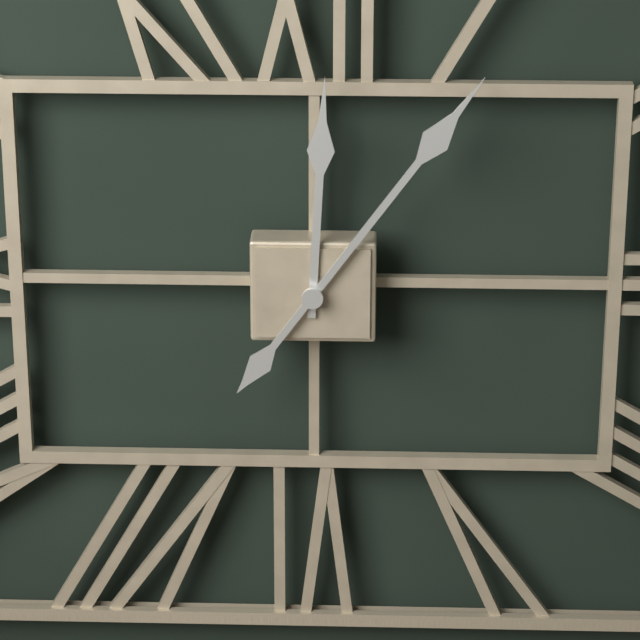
{"hour": 12, "minute": 6}
